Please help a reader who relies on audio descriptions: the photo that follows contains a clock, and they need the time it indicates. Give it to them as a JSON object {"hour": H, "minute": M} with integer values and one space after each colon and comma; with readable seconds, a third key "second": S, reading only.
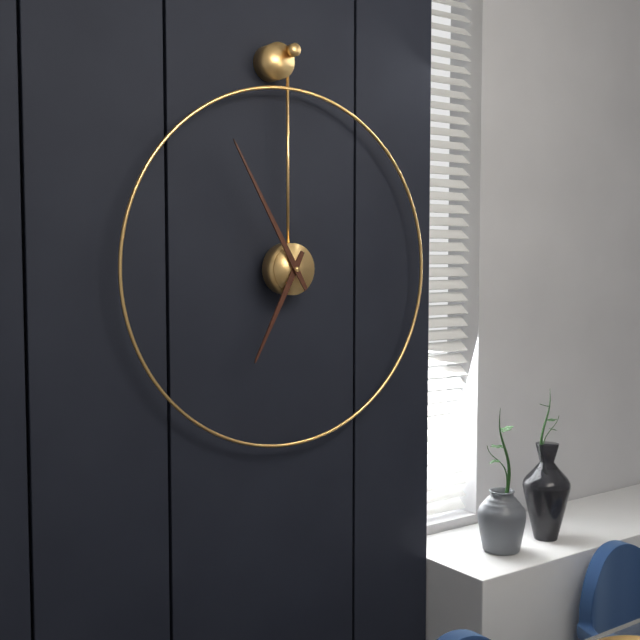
{"hour": 6, "minute": 55}
